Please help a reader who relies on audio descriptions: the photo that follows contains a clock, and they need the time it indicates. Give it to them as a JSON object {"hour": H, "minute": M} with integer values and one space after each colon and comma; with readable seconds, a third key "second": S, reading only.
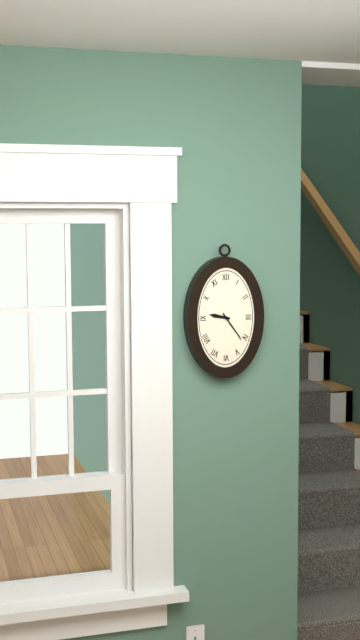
{"hour": 9, "minute": 24}
